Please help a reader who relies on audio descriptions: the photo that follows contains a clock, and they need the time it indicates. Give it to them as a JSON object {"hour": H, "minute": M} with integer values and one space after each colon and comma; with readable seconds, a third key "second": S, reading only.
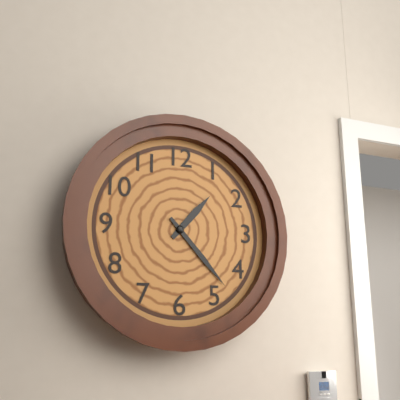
{"hour": 1, "minute": 23}
